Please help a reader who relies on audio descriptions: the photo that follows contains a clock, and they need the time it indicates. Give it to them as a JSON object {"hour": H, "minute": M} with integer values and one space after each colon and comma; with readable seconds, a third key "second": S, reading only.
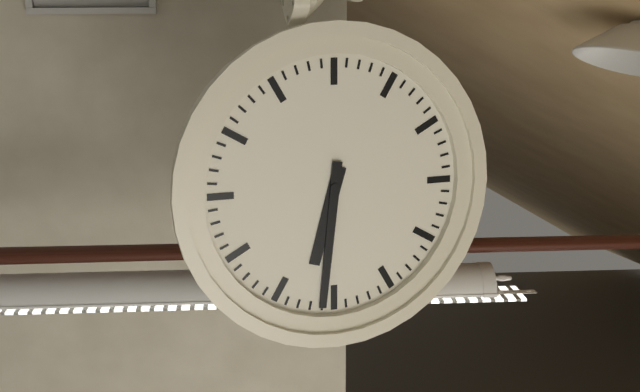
{"hour": 6, "minute": 31}
